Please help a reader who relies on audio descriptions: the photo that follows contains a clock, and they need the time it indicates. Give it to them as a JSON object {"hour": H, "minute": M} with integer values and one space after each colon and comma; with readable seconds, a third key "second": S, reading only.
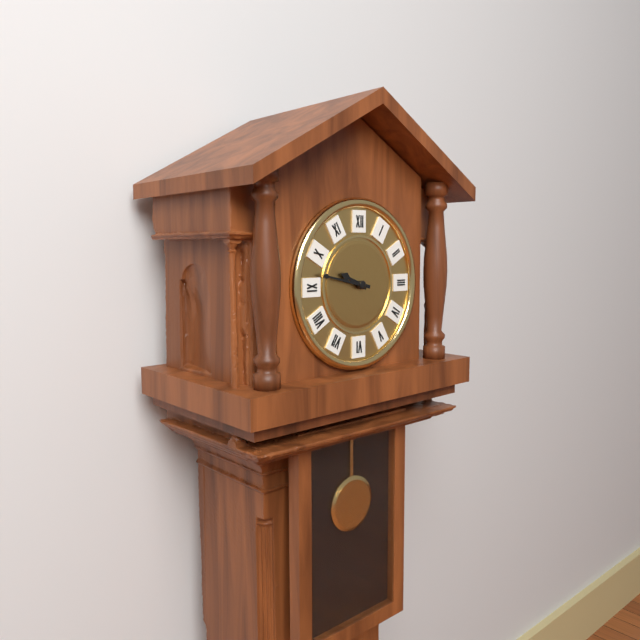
{"hour": 9, "minute": 47}
